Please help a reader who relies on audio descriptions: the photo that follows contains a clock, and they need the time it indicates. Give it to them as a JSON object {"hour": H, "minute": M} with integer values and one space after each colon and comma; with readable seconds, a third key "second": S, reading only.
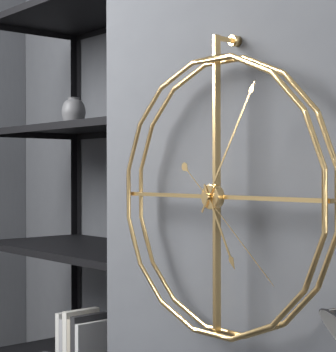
{"hour": 5, "minute": 5, "second": 22}
